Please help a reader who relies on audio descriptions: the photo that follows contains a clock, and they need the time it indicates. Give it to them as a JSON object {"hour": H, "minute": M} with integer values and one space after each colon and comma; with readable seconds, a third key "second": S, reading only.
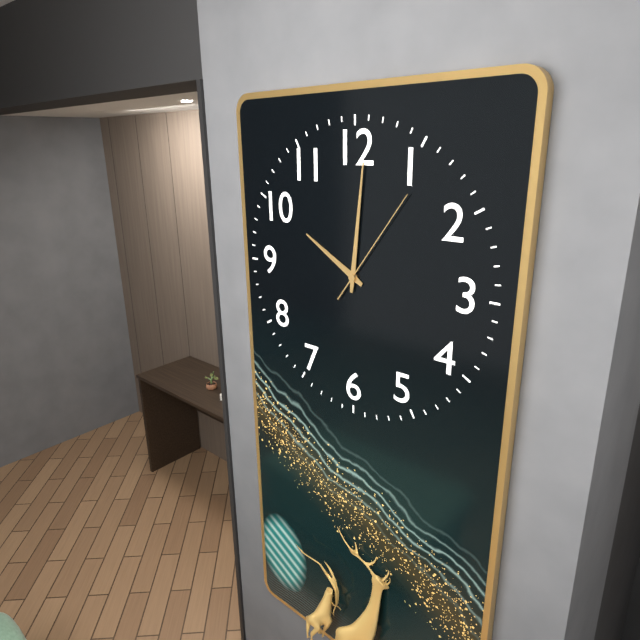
{"hour": 10, "minute": 1, "second": 6}
